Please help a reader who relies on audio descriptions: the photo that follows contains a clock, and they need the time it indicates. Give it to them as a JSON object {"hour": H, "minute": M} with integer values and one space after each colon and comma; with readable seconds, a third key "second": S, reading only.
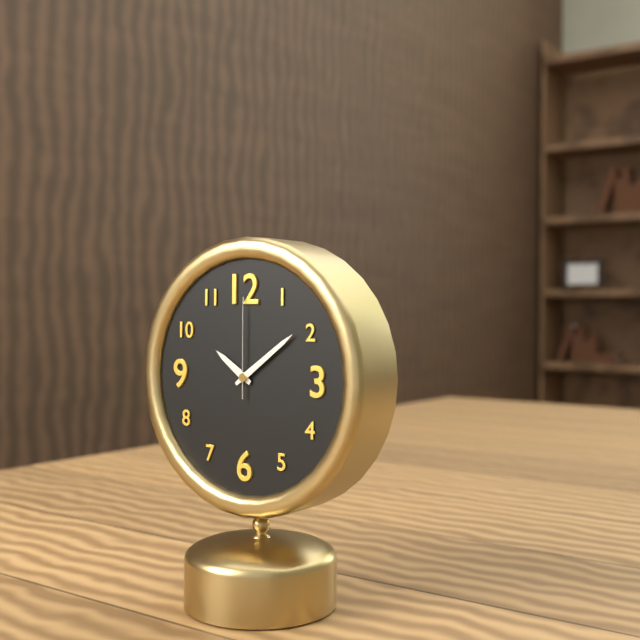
{"hour": 10, "minute": 9, "second": 0}
